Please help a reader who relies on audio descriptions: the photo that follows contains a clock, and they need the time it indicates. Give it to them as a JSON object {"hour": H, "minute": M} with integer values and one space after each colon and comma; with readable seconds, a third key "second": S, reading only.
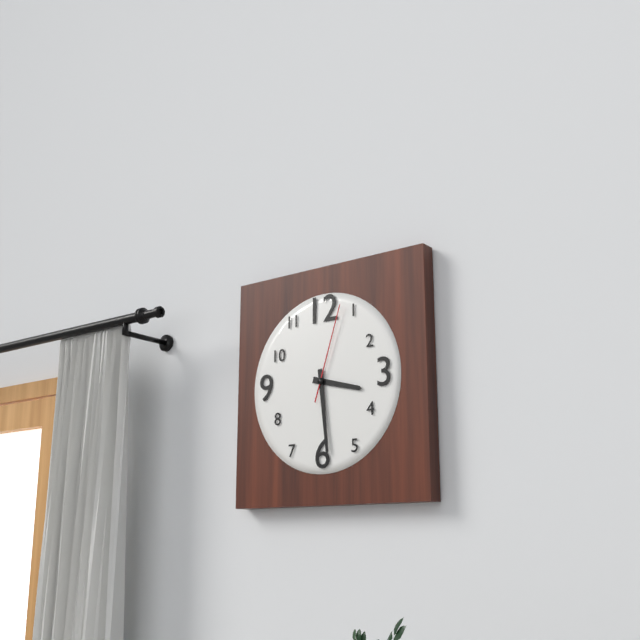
{"hour": 3, "minute": 29, "second": 3}
